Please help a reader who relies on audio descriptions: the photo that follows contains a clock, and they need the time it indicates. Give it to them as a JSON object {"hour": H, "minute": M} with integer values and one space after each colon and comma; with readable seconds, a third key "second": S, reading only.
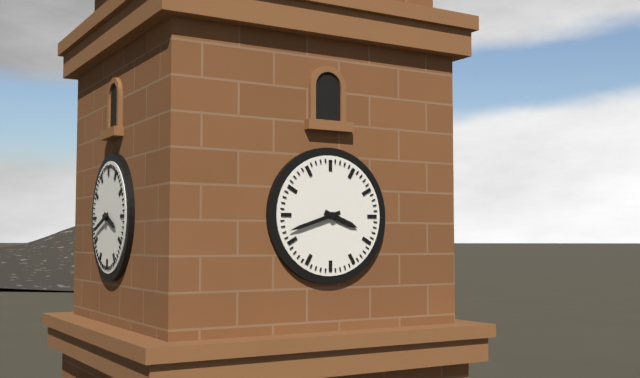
{"hour": 3, "minute": 42}
